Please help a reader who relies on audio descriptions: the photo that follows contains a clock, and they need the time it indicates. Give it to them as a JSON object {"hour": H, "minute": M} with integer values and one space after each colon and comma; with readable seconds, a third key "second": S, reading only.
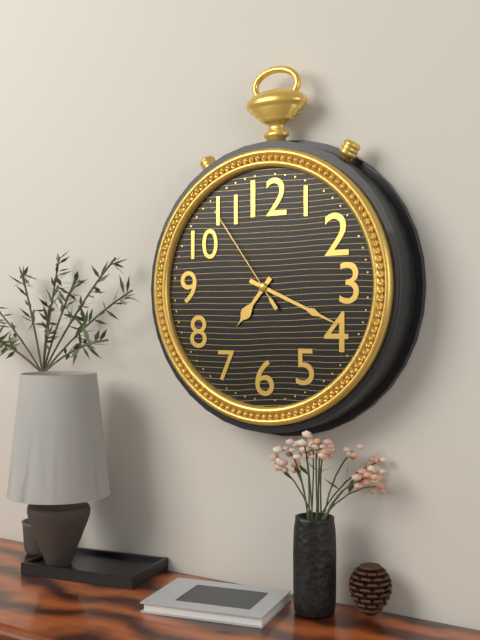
{"hour": 7, "minute": 19, "second": 54}
